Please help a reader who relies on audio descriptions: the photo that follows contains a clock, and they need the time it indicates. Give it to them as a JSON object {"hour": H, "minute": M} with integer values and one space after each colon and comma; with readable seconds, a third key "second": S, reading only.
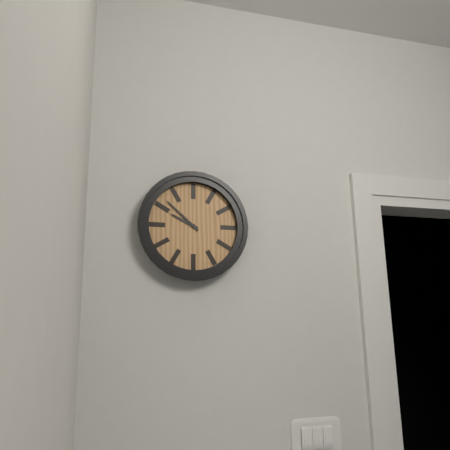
{"hour": 9, "minute": 52}
